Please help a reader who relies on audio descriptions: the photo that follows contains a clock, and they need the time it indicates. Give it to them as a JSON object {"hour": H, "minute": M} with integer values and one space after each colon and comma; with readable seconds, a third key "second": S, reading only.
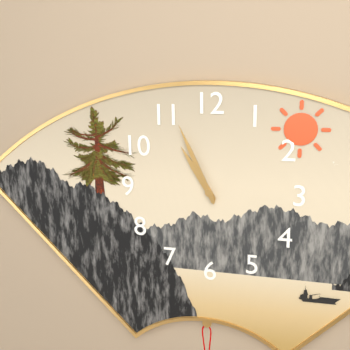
{"hour": 10, "minute": 56}
